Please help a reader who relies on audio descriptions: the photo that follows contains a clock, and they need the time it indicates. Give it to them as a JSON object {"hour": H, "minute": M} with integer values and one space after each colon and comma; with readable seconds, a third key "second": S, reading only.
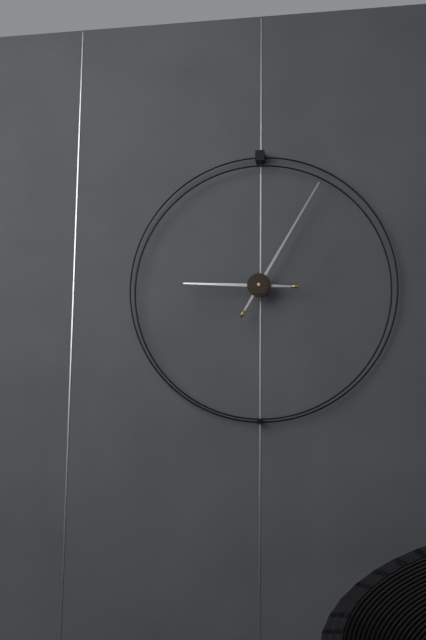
{"hour": 9, "minute": 5}
